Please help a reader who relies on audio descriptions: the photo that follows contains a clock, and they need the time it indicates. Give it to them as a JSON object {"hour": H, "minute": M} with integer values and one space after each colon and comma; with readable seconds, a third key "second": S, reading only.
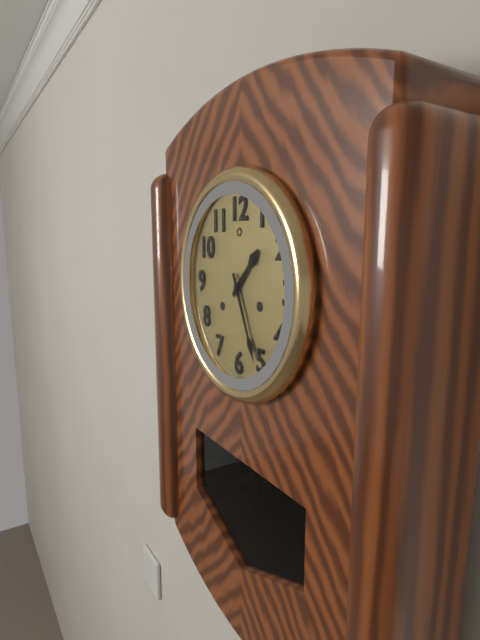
{"hour": 1, "minute": 26}
